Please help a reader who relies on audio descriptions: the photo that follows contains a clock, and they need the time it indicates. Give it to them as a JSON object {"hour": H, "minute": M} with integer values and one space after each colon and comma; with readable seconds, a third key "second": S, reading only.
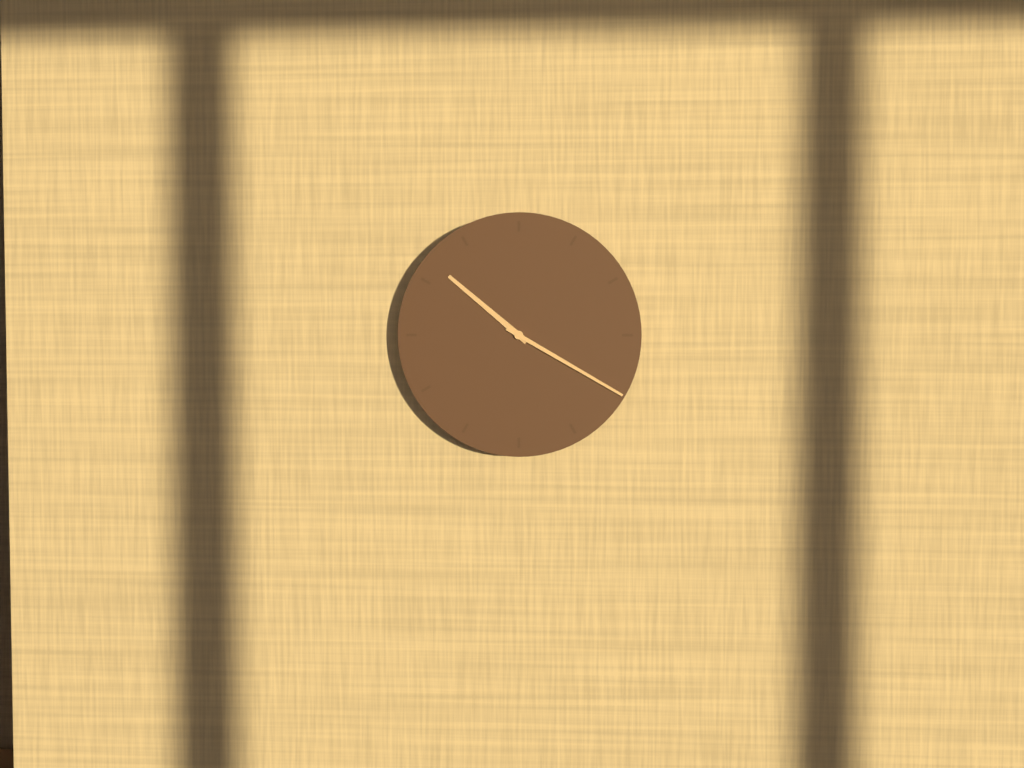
{"hour": 10, "minute": 20}
